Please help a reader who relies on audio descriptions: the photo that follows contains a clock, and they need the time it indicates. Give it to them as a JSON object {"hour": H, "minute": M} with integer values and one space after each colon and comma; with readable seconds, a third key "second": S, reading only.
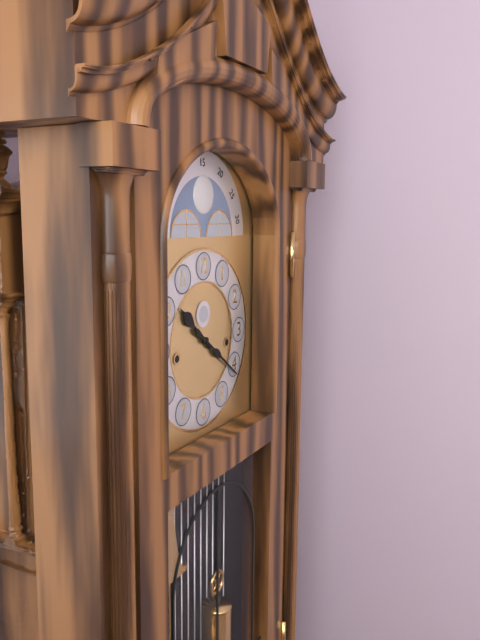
{"hour": 10, "minute": 21}
